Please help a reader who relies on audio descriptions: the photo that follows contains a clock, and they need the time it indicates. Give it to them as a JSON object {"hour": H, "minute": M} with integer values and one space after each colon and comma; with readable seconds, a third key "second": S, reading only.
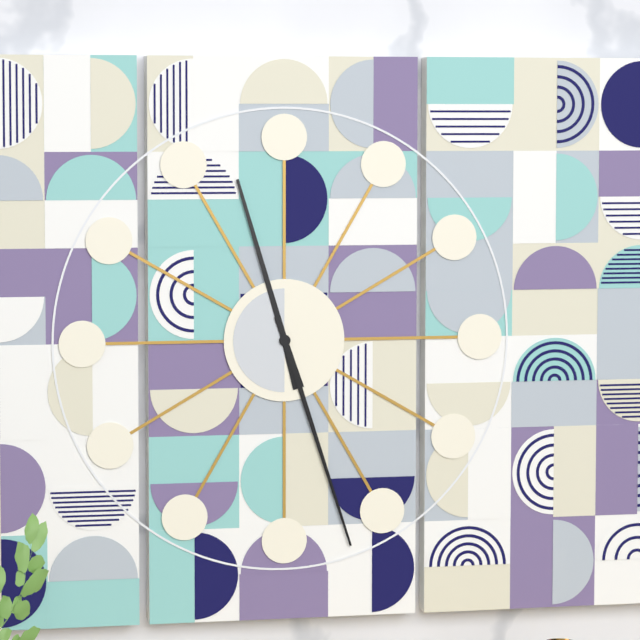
{"hour": 11, "minute": 27}
